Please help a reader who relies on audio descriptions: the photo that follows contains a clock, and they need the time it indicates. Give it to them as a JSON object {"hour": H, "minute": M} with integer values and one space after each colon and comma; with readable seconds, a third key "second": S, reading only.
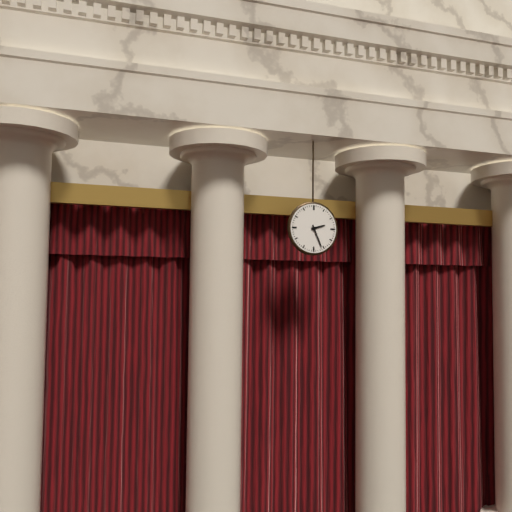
{"hour": 2, "minute": 26}
